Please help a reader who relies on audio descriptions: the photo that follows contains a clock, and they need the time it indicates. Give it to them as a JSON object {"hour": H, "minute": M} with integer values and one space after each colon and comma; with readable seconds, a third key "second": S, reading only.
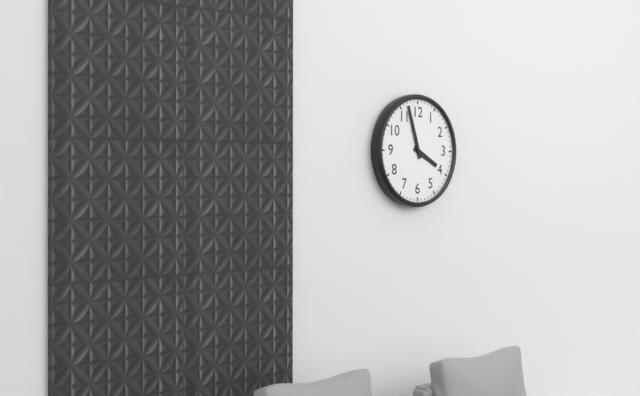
{"hour": 3, "minute": 57}
